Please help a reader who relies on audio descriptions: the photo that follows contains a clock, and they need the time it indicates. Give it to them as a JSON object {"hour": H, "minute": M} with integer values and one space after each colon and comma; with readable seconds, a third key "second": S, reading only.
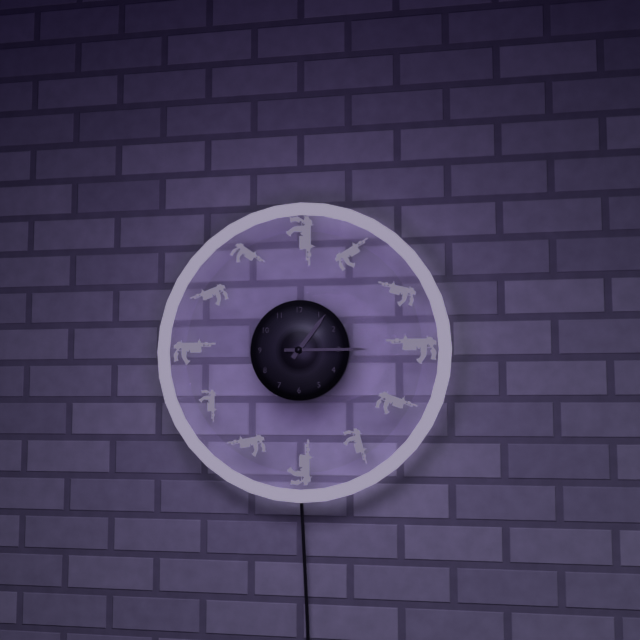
{"hour": 1, "minute": 15}
